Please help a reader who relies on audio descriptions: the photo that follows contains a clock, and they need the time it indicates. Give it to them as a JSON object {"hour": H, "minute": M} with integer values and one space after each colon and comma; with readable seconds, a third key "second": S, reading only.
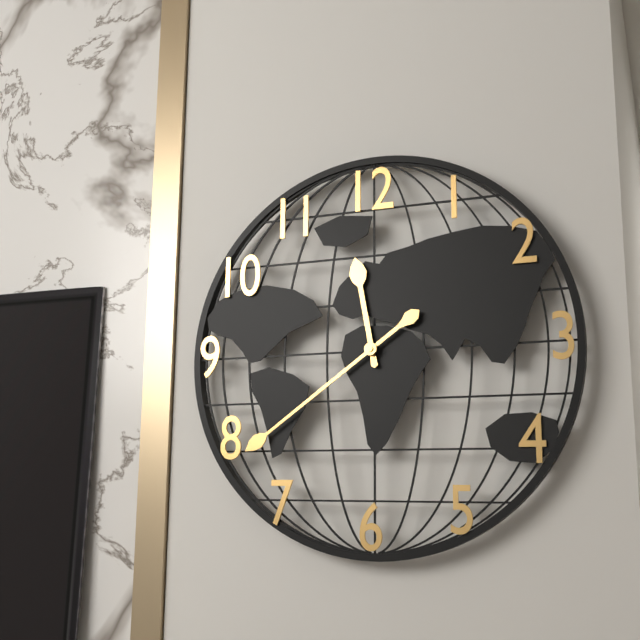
{"hour": 11, "minute": 39}
